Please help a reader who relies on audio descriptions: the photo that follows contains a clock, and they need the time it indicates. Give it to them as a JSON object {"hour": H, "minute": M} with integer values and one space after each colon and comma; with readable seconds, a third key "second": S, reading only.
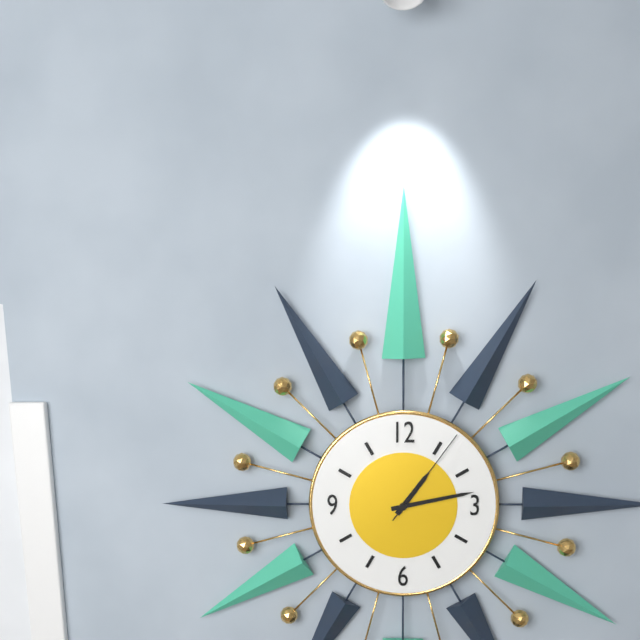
{"hour": 1, "minute": 13, "second": 6}
